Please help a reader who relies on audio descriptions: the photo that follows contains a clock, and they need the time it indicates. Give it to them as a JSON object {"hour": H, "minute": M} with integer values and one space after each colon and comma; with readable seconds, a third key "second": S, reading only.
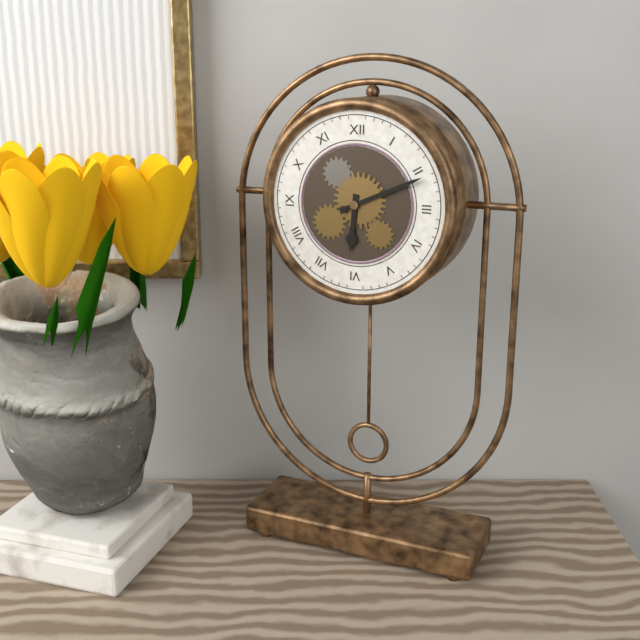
{"hour": 6, "minute": 11}
